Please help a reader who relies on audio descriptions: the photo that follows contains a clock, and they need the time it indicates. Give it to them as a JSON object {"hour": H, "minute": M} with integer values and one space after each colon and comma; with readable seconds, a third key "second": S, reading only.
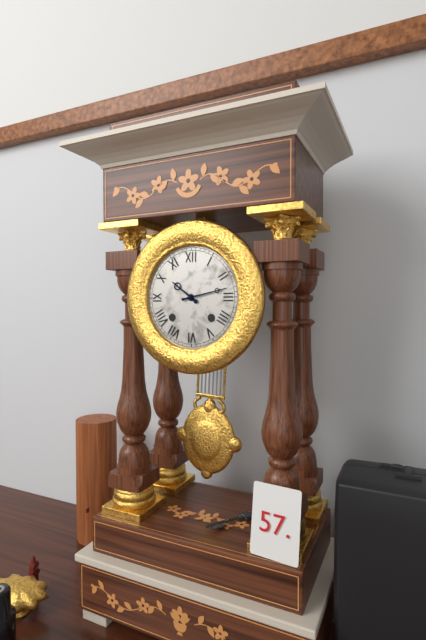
{"hour": 10, "minute": 13}
